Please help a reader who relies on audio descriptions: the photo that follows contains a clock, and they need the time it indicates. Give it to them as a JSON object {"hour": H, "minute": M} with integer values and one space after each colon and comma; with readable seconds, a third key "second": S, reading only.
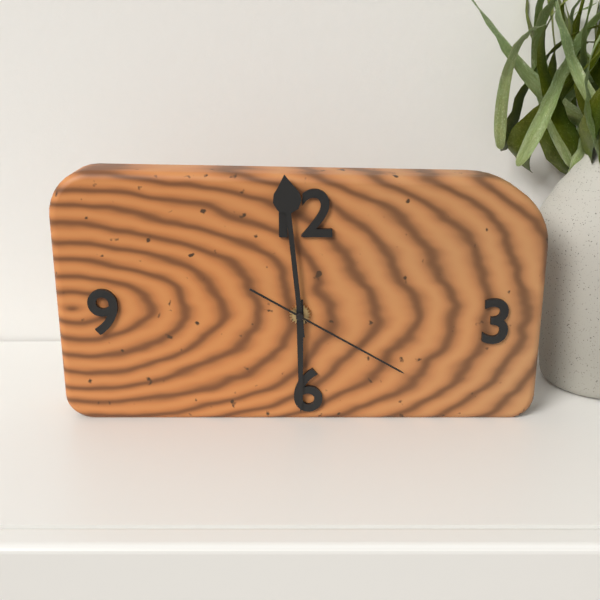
{"hour": 5, "minute": 59, "second": 20}
